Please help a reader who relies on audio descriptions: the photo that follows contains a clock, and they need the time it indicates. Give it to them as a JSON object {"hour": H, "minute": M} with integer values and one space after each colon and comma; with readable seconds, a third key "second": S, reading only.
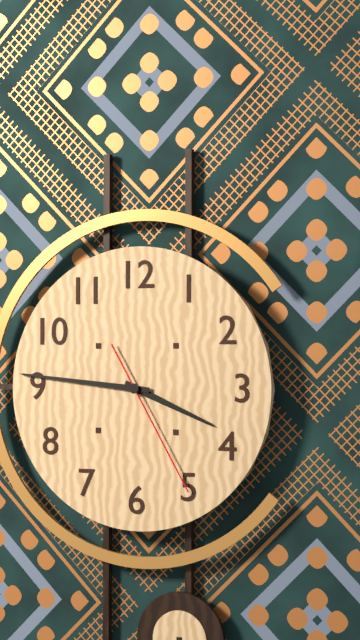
{"hour": 3, "minute": 46, "second": 25}
